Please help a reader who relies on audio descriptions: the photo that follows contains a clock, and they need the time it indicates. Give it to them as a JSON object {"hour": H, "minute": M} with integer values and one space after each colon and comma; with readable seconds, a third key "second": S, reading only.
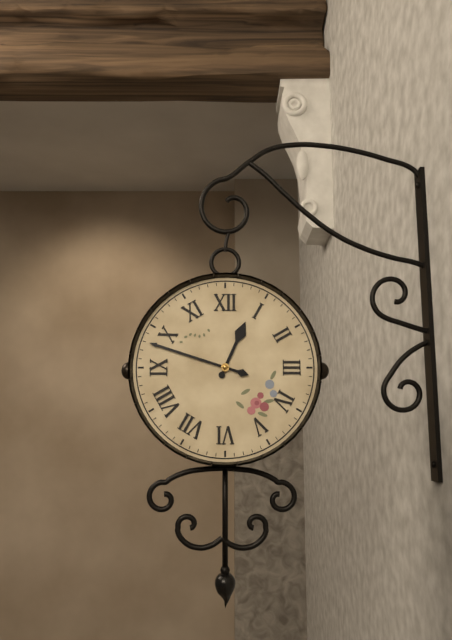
{"hour": 12, "minute": 48}
